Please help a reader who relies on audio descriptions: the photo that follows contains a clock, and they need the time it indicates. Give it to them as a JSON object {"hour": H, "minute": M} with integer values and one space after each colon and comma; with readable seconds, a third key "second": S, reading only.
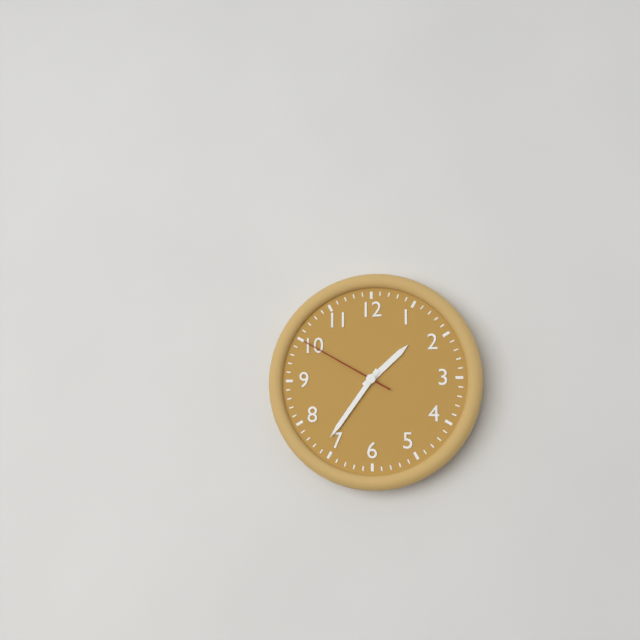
{"hour": 1, "minute": 36, "second": 50}
